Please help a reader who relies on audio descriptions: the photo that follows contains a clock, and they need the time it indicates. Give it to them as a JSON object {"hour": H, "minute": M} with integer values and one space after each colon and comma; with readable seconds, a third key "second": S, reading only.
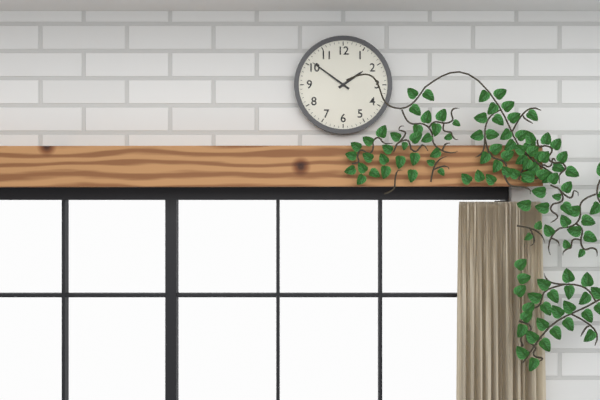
{"hour": 1, "minute": 51}
